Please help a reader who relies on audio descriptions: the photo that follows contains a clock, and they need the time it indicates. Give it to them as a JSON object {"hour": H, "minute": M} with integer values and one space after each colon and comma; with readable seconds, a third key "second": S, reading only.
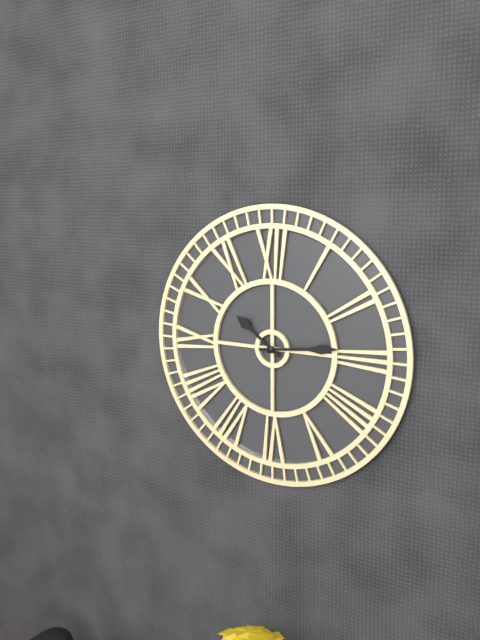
{"hour": 10, "minute": 14}
